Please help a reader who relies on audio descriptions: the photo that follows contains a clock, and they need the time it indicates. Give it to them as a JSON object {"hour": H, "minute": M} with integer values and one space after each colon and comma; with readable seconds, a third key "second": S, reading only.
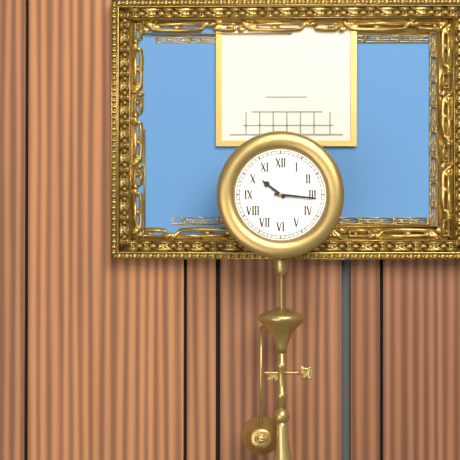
{"hour": 10, "minute": 16}
